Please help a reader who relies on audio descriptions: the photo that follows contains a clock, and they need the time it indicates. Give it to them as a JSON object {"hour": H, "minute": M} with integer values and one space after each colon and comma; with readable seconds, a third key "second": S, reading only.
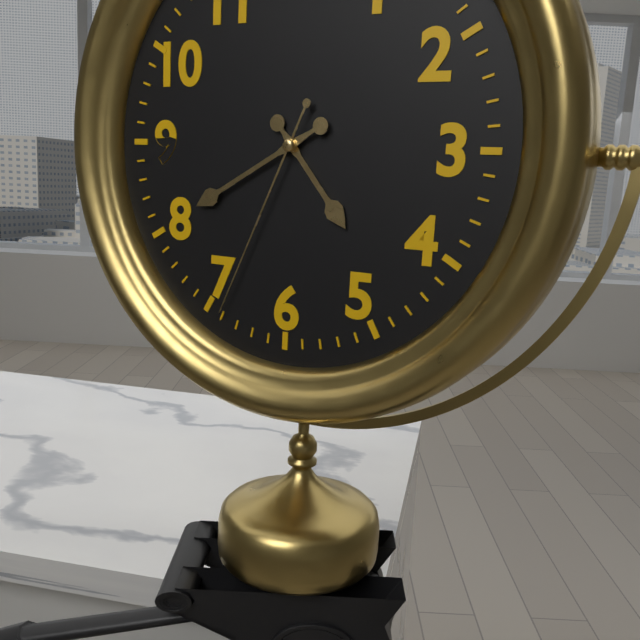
{"hour": 4, "minute": 40, "second": 34}
